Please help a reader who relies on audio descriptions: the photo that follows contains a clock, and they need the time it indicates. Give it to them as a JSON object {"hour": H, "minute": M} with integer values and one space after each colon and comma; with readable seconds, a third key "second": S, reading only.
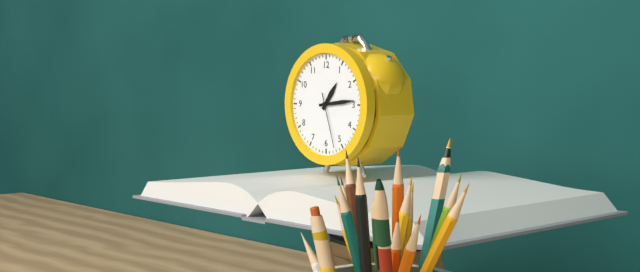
{"hour": 1, "minute": 14, "second": 27}
